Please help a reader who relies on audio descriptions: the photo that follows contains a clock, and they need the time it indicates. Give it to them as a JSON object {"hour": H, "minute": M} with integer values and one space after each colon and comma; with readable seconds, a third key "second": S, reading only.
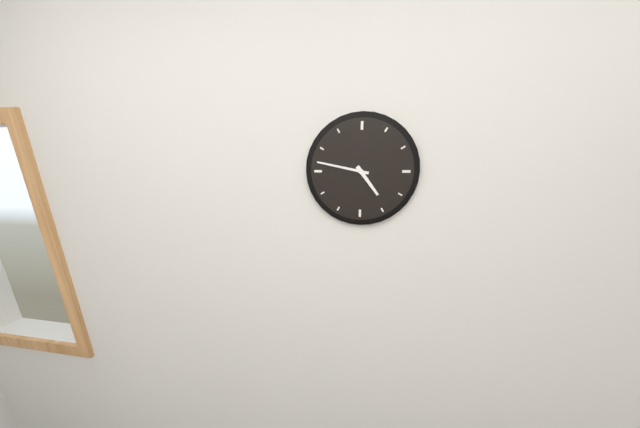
{"hour": 4, "minute": 47}
